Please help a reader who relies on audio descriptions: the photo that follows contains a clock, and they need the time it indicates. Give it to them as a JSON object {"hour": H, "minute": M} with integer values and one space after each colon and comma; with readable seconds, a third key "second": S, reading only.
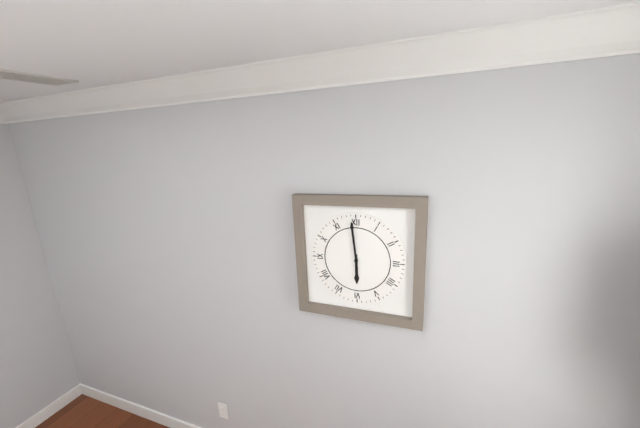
{"hour": 5, "minute": 59}
